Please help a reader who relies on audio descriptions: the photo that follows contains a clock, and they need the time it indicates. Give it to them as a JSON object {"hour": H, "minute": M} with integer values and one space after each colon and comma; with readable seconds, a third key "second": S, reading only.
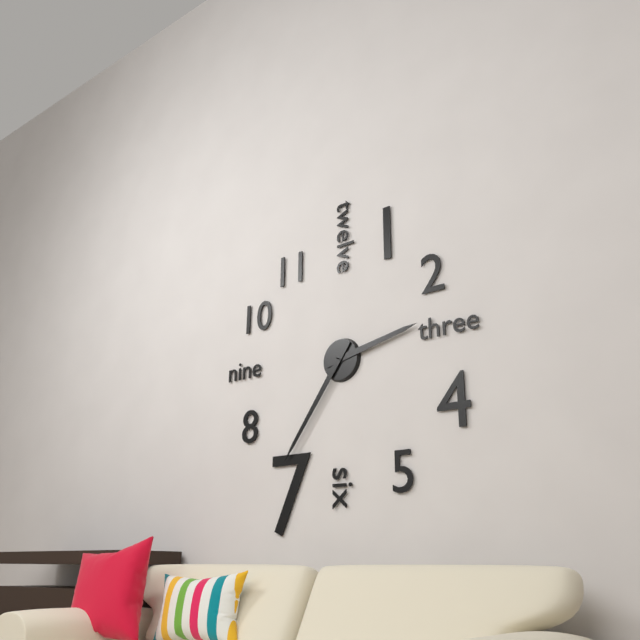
{"hour": 2, "minute": 36}
